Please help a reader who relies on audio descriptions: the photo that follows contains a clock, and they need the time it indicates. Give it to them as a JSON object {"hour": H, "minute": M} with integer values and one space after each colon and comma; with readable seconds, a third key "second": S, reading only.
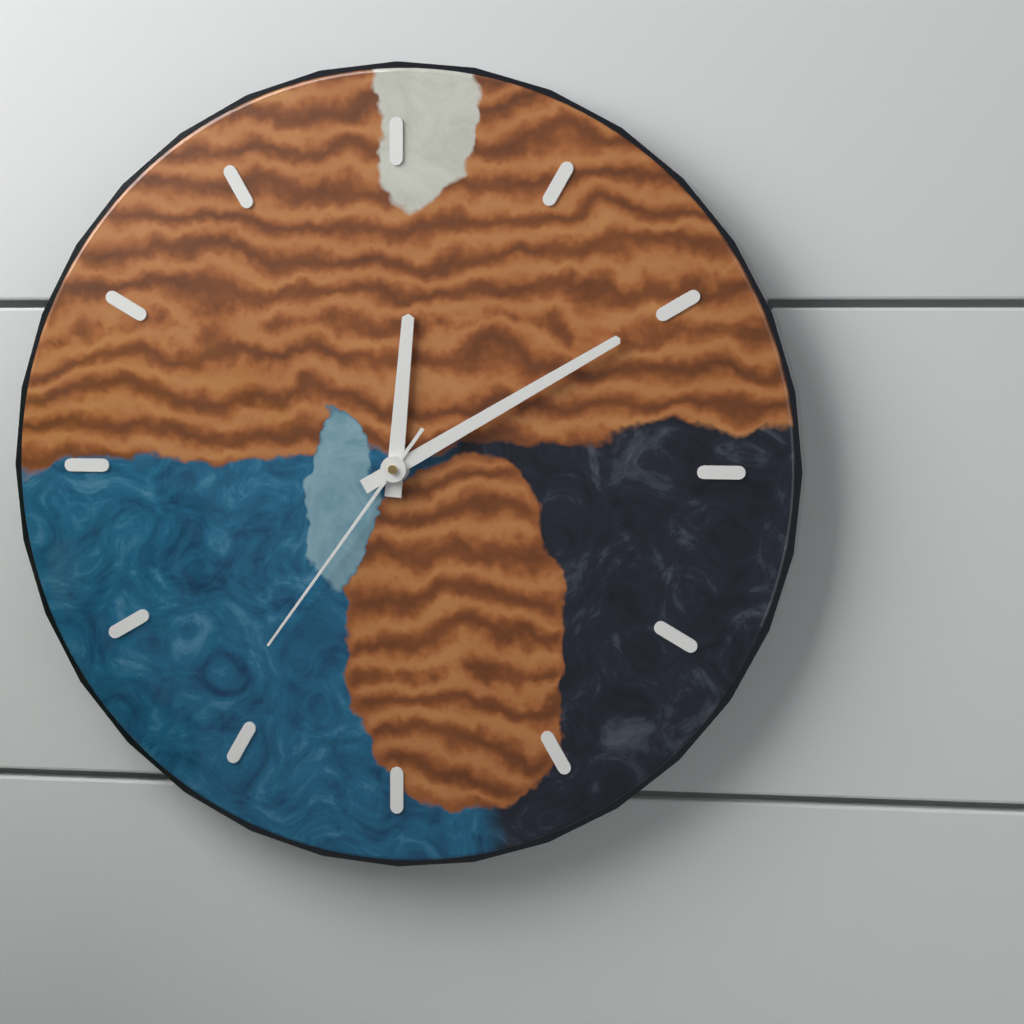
{"hour": 12, "minute": 10, "second": 36}
